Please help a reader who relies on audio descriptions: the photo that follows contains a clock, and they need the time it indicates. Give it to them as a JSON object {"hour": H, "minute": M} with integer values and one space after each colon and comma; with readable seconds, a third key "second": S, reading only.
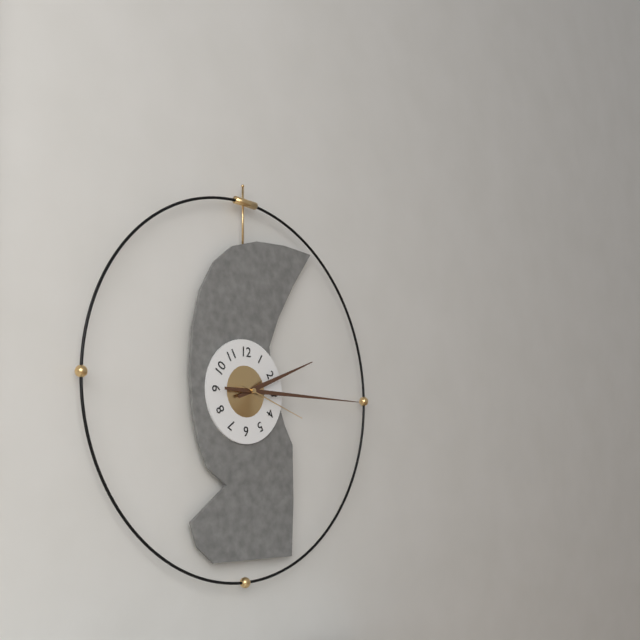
{"hour": 2, "minute": 15, "second": 18}
